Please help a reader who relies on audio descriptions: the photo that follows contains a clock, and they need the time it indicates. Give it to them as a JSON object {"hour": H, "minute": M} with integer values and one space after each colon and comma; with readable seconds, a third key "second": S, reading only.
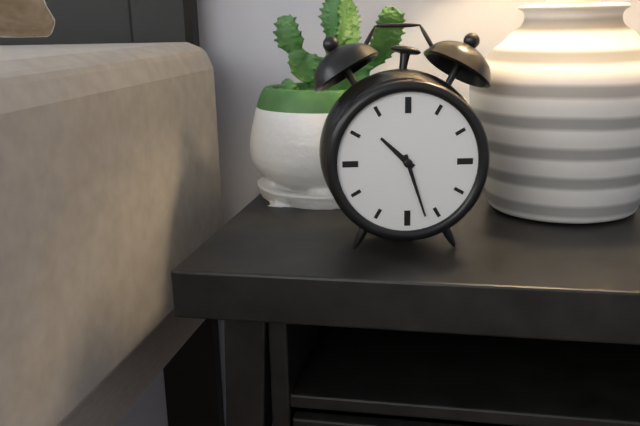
{"hour": 10, "minute": 27}
